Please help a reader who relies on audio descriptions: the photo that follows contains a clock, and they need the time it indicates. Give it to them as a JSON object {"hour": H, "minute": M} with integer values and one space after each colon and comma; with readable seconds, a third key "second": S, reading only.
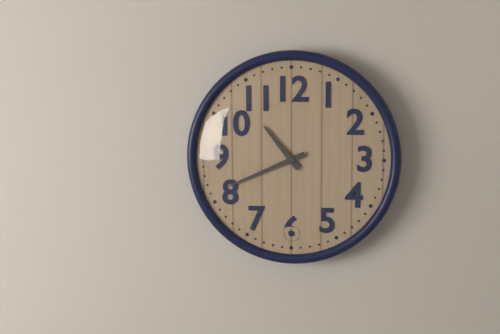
{"hour": 10, "minute": 41}
